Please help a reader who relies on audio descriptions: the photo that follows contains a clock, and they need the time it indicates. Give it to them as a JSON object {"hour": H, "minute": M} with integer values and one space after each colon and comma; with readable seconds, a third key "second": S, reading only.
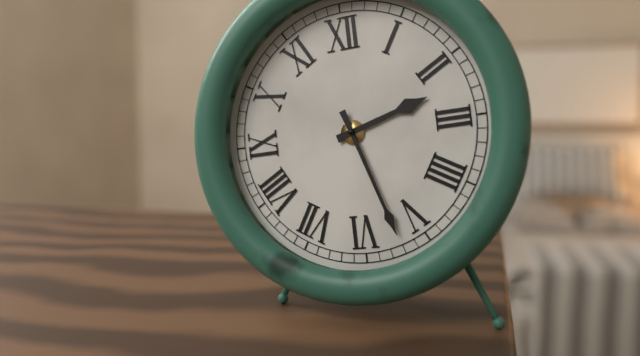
{"hour": 2, "minute": 27}
